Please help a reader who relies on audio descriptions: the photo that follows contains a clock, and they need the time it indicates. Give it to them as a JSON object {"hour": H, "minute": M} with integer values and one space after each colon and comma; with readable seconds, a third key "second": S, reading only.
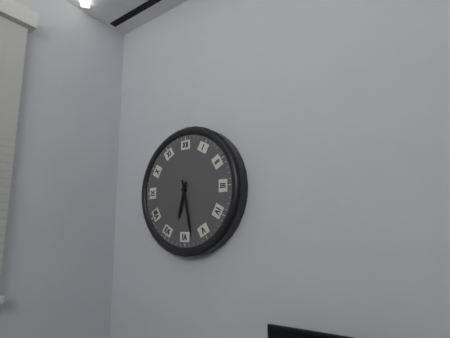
{"hour": 6, "minute": 28}
